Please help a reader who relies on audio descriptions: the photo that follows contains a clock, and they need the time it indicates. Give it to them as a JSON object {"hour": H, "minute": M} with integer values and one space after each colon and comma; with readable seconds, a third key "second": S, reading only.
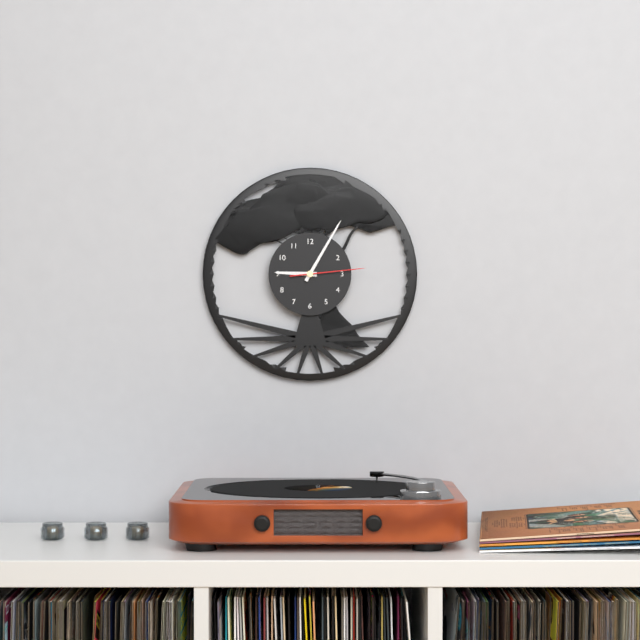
{"hour": 9, "minute": 5, "second": 14}
